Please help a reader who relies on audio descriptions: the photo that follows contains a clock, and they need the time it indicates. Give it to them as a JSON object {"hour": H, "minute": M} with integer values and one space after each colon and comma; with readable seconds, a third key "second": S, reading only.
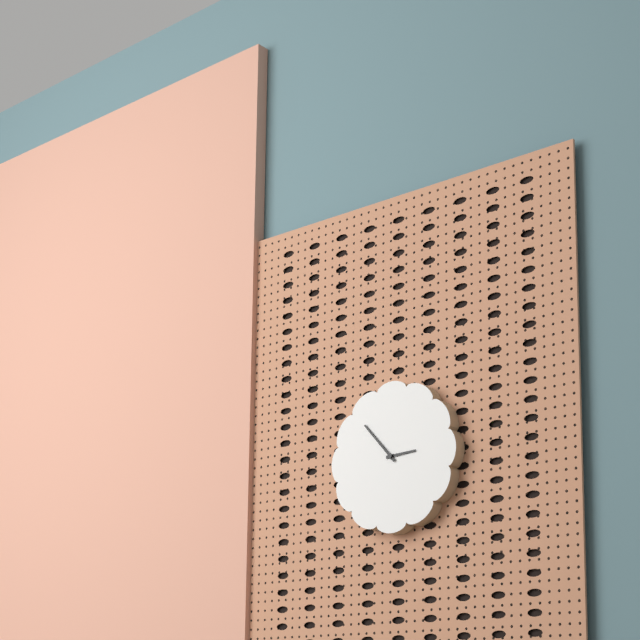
{"hour": 2, "minute": 53}
